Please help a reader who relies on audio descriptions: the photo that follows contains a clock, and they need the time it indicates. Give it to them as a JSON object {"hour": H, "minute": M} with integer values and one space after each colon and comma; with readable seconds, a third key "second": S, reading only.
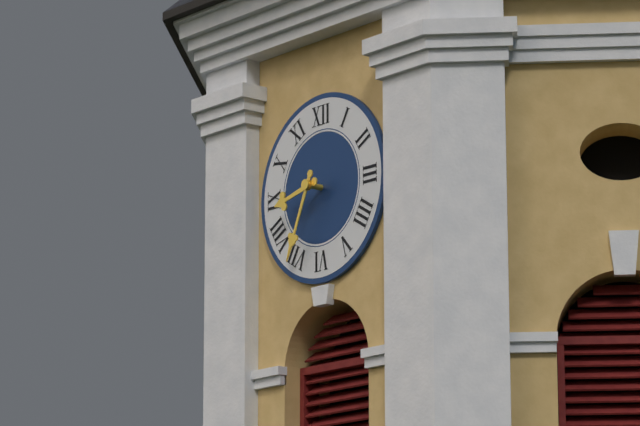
{"hour": 8, "minute": 34}
